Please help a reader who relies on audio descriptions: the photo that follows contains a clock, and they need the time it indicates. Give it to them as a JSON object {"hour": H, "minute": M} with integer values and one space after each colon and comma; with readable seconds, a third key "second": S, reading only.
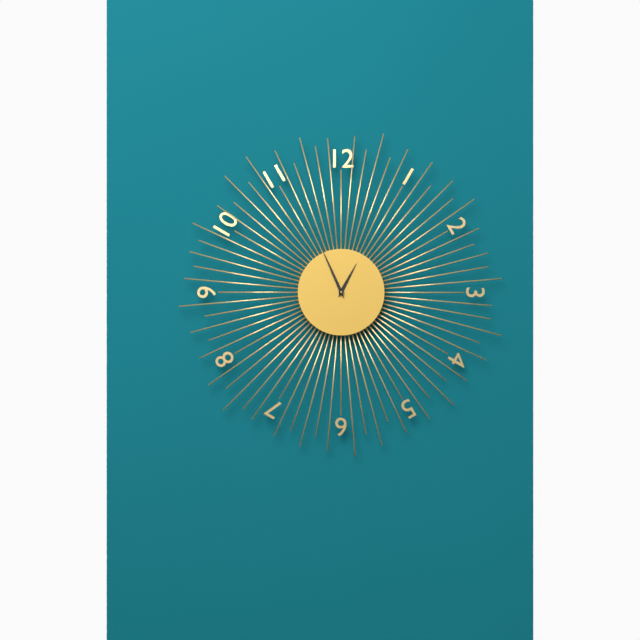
{"hour": 12, "minute": 56}
